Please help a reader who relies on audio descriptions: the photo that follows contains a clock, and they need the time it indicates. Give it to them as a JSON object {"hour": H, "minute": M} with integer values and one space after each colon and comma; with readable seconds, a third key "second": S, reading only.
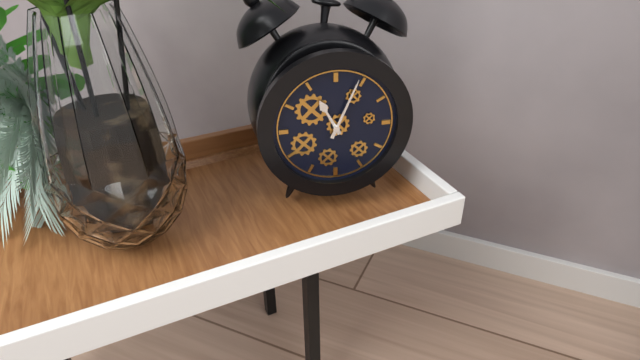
{"hour": 11, "minute": 4}
